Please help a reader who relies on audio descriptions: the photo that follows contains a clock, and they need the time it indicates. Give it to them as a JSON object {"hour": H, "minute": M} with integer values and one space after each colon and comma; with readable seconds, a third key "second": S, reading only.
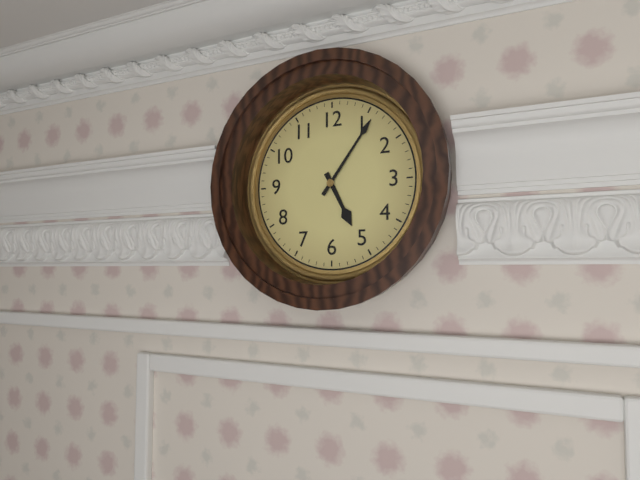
{"hour": 5, "minute": 6}
